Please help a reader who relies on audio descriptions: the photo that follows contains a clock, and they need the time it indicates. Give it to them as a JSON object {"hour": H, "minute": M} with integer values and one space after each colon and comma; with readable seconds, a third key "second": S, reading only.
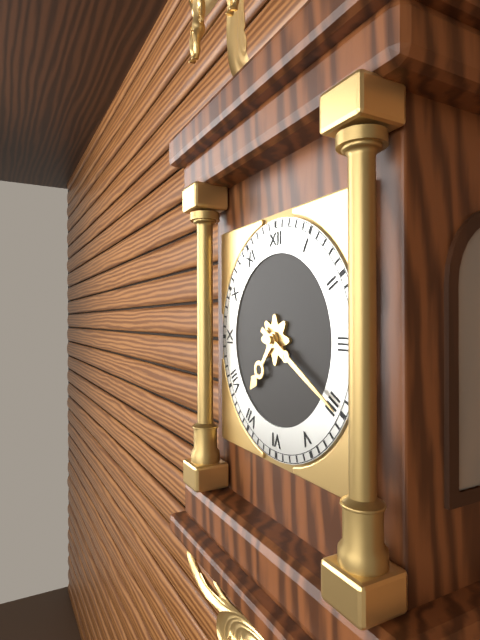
{"hour": 7, "minute": 20}
